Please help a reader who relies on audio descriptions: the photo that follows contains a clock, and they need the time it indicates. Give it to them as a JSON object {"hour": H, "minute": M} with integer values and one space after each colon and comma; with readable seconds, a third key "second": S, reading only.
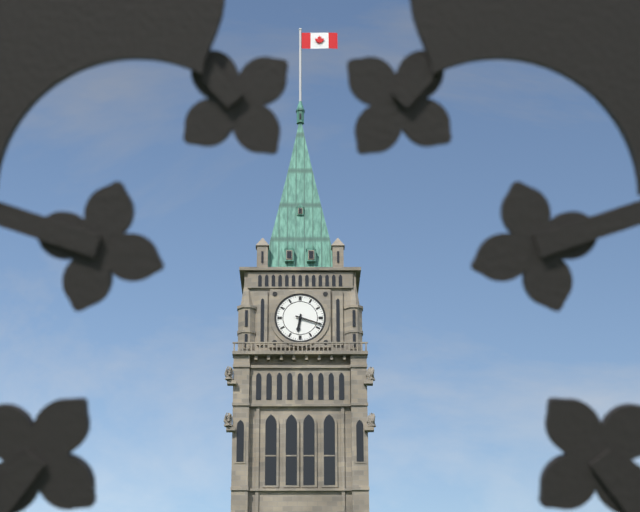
{"hour": 6, "minute": 18}
